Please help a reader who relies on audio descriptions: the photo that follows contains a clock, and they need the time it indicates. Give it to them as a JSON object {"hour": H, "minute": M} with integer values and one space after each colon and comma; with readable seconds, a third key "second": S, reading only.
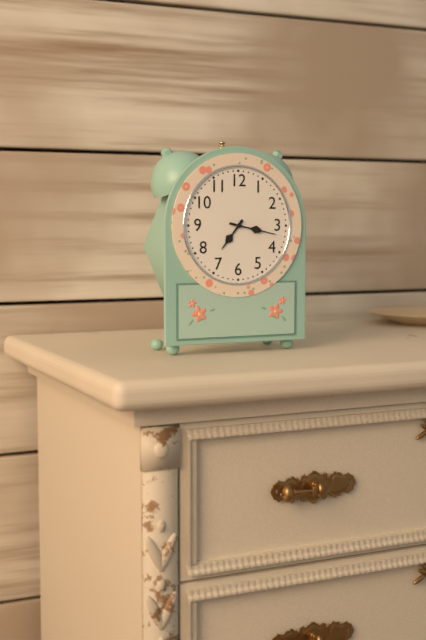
{"hour": 7, "minute": 17}
